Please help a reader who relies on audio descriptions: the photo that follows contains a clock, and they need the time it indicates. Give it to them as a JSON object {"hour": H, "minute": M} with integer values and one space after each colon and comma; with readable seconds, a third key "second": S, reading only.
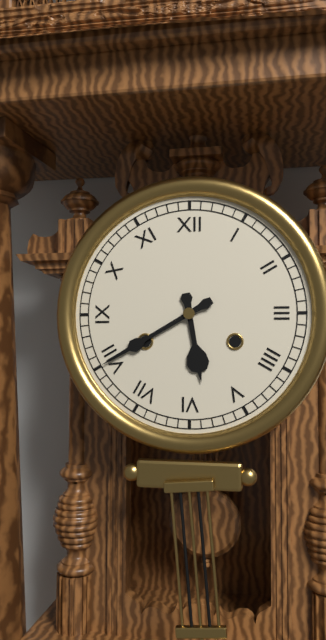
{"hour": 5, "minute": 40}
